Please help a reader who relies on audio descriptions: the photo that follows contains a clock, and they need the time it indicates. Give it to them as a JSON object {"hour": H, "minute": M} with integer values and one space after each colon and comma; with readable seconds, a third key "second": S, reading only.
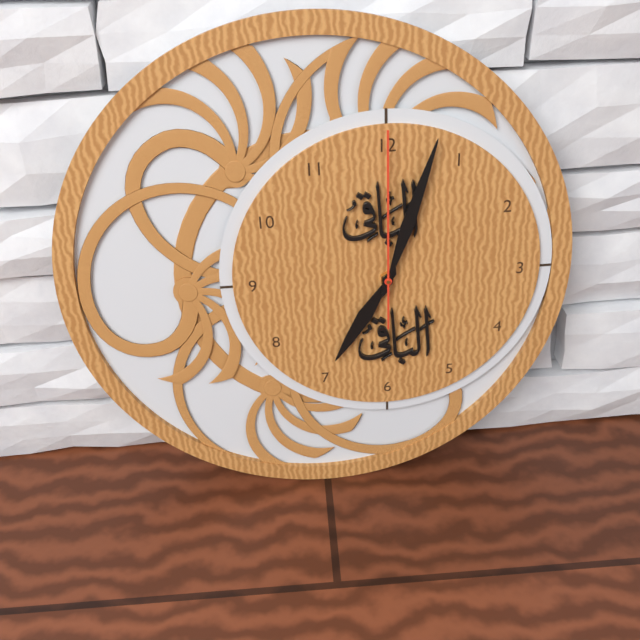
{"hour": 7, "minute": 3, "second": 0}
